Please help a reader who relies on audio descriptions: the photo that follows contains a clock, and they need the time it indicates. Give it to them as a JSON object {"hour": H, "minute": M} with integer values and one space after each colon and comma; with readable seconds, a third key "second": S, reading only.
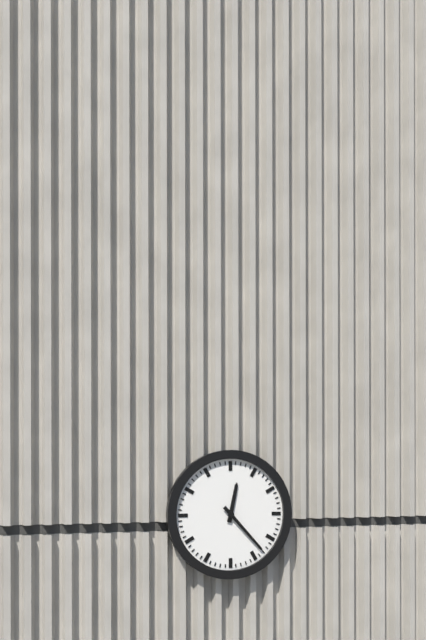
{"hour": 12, "minute": 23}
